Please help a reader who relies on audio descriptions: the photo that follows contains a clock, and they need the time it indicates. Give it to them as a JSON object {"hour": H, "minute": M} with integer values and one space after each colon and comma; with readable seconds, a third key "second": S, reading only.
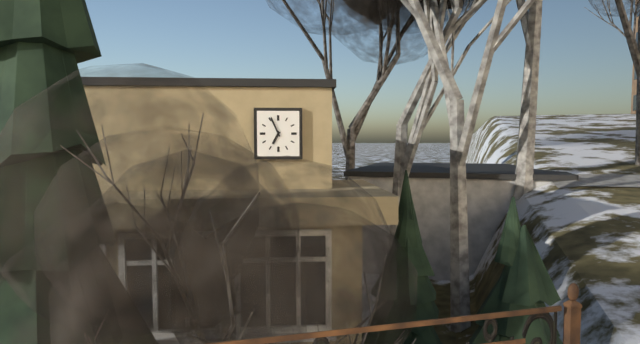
{"hour": 6, "minute": 56}
